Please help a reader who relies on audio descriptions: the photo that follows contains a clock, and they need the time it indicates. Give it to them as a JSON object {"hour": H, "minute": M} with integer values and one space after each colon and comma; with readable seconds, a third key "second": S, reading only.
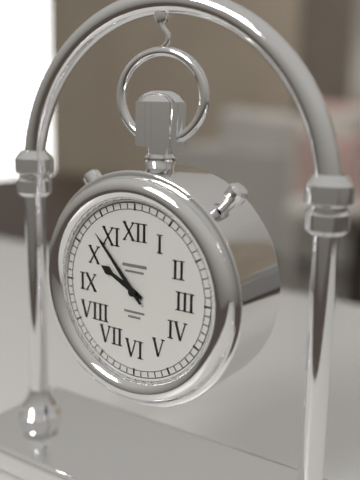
{"hour": 9, "minute": 53}
